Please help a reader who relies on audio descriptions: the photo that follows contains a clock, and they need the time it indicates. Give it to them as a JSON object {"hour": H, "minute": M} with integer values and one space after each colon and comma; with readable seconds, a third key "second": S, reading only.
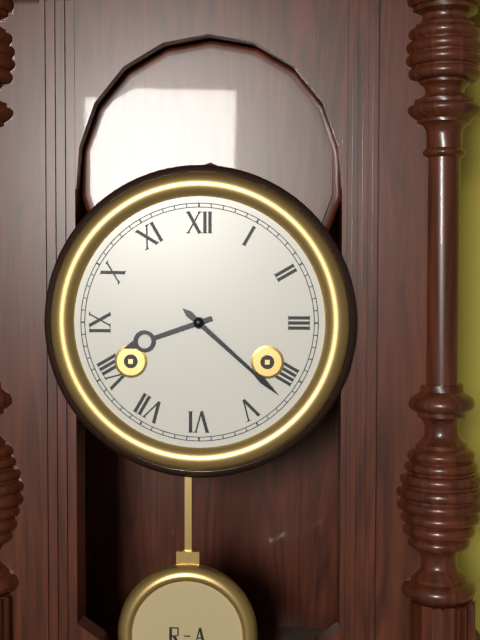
{"hour": 8, "minute": 22}
